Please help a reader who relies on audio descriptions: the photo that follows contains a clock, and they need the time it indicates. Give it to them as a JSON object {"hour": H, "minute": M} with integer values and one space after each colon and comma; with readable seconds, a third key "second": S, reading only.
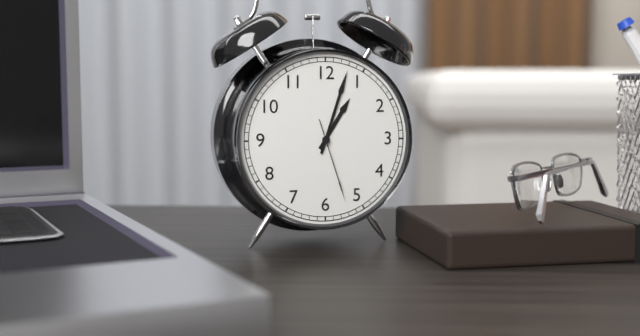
{"hour": 1, "minute": 3, "second": 27}
